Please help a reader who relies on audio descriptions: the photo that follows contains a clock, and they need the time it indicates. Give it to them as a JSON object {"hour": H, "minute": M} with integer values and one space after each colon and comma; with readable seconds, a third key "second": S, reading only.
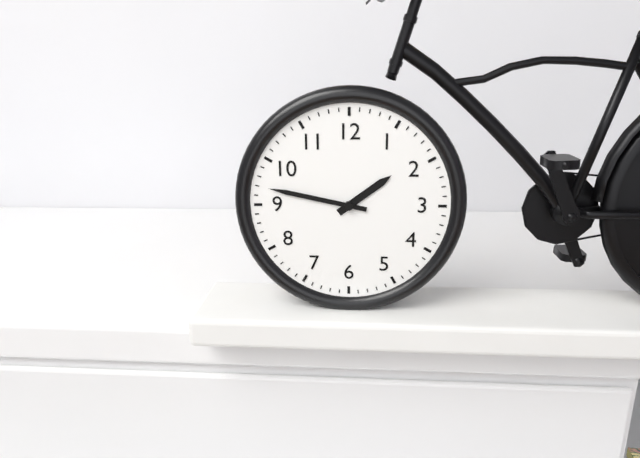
{"hour": 1, "minute": 47}
